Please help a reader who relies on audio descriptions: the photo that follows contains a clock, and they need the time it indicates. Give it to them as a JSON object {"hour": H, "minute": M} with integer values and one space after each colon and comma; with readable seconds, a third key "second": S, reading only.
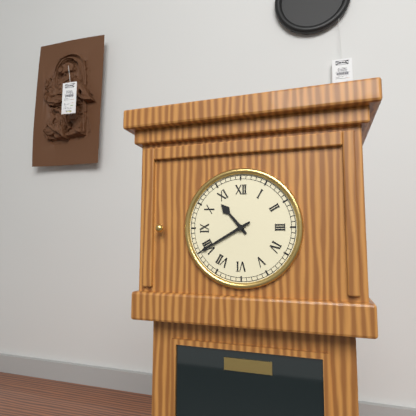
{"hour": 10, "minute": 40}
